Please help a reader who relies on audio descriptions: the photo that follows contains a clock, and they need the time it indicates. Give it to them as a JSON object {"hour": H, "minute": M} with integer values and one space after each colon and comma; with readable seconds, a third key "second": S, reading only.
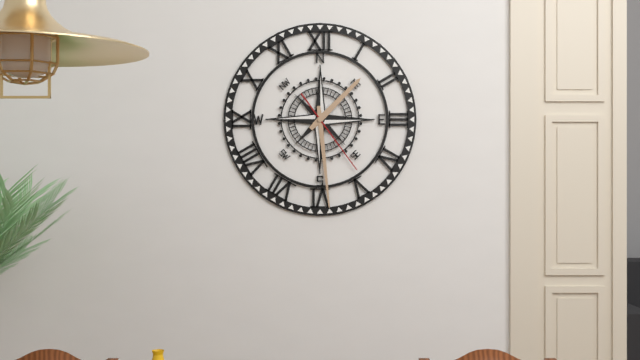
{"hour": 1, "minute": 29, "second": 24}
